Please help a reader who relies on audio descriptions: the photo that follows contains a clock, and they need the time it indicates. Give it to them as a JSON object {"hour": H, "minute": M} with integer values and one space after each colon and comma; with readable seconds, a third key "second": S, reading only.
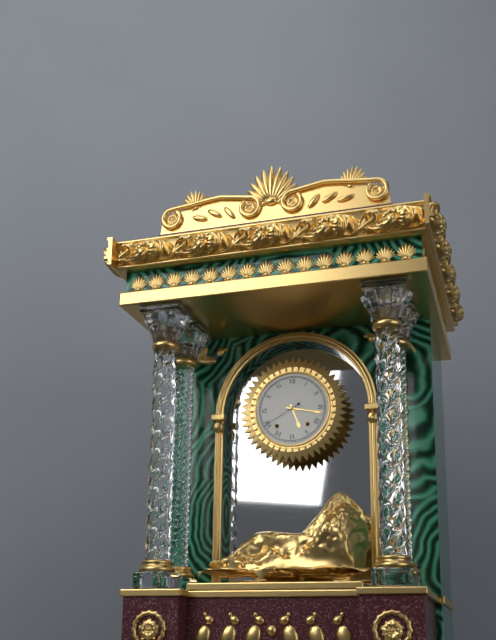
{"hour": 5, "minute": 17}
